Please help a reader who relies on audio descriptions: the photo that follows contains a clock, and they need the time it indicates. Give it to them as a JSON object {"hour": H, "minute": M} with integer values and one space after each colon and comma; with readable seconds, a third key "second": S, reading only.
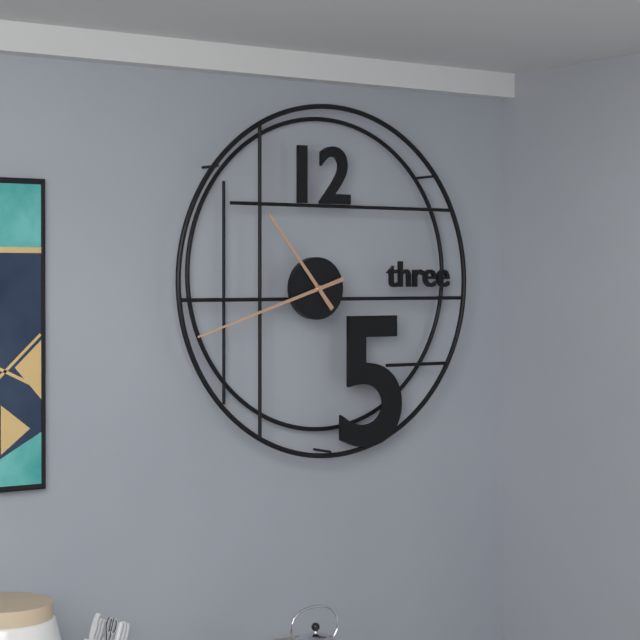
{"hour": 10, "minute": 42}
